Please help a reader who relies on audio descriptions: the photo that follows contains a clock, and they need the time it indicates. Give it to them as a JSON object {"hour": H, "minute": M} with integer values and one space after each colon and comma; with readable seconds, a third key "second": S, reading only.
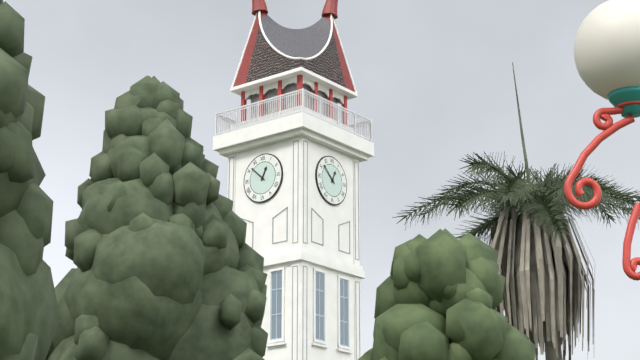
{"hour": 12, "minute": 52}
